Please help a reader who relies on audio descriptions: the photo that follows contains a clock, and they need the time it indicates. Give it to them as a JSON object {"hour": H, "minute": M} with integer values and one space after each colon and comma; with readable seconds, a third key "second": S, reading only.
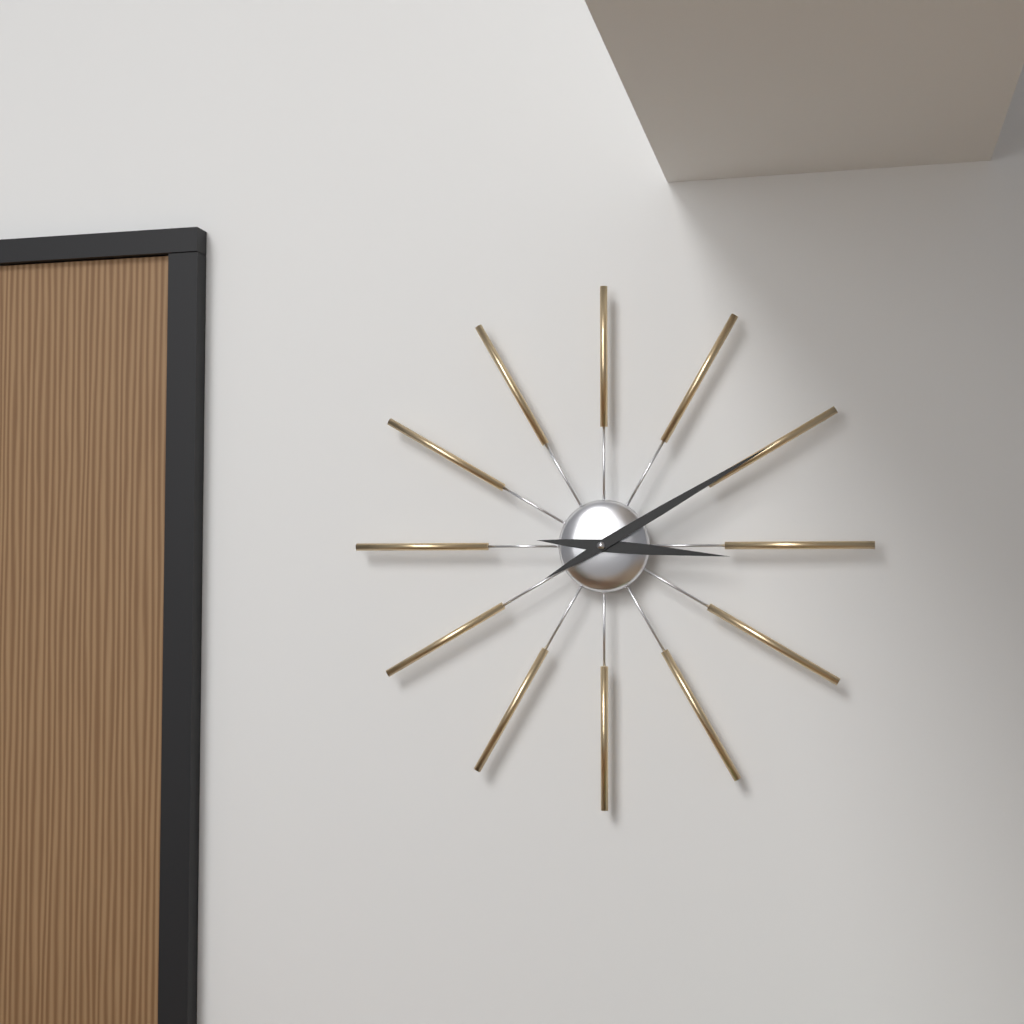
{"hour": 3, "minute": 10}
